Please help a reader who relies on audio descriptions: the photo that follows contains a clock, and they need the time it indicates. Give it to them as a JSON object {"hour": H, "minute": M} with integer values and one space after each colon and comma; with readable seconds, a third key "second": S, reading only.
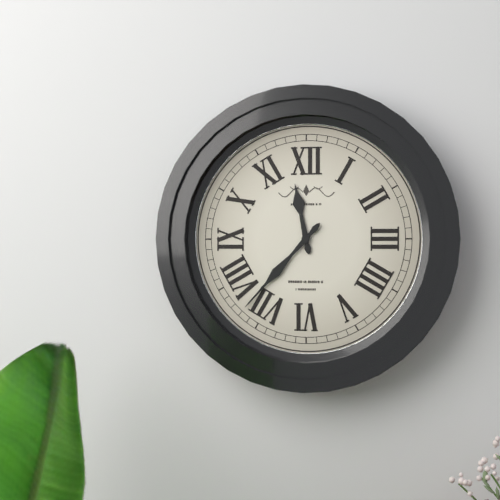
{"hour": 11, "minute": 37}
